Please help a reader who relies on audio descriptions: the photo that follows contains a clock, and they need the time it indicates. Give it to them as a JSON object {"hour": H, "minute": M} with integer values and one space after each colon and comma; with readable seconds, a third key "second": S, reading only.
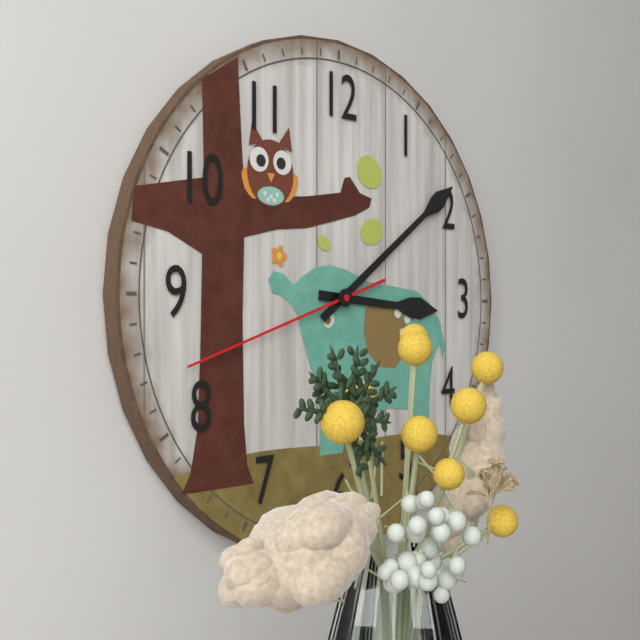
{"hour": 3, "minute": 9, "second": 42}
